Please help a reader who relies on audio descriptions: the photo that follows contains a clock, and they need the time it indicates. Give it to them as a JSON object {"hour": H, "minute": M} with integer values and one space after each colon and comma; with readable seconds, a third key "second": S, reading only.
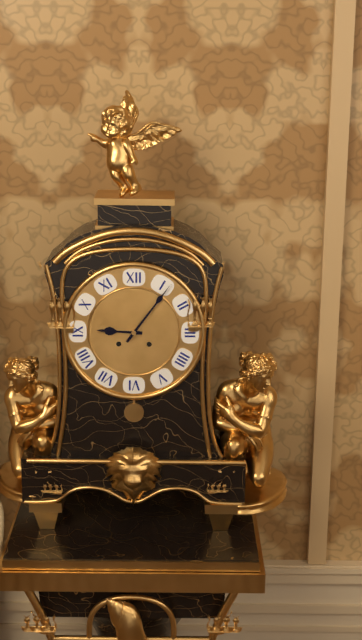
{"hour": 9, "minute": 6}
